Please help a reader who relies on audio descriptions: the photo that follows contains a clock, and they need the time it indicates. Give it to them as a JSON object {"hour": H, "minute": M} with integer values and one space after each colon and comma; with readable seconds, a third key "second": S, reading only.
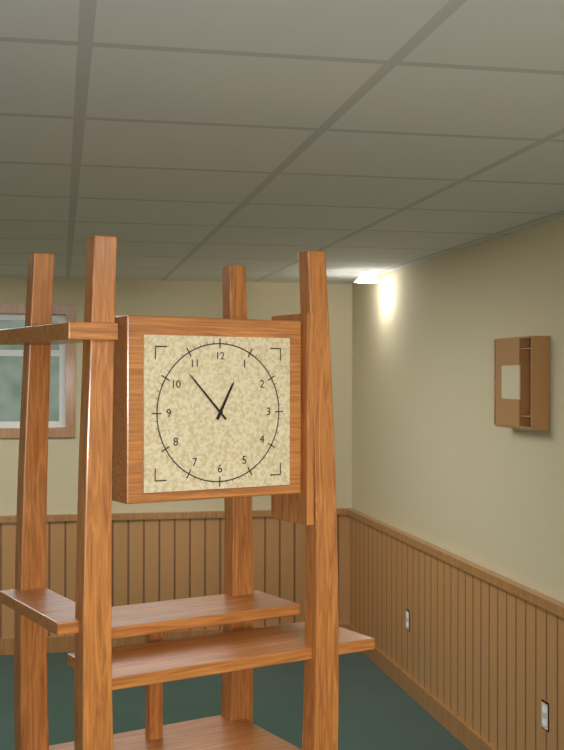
{"hour": 12, "minute": 53}
